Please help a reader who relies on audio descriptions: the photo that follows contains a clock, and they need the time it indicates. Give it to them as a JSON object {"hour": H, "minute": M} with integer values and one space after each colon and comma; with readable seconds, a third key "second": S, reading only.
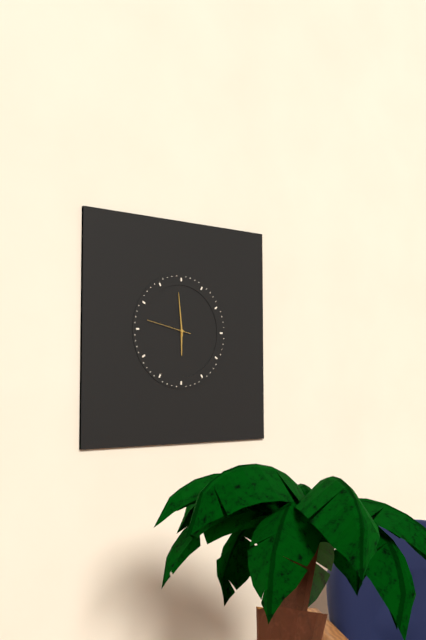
{"hour": 5, "minute": 59}
